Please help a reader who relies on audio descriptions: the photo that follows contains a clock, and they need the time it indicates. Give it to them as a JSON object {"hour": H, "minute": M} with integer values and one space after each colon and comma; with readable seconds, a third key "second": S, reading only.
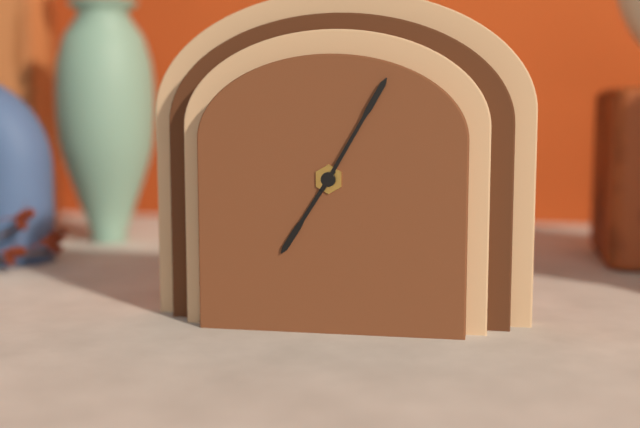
{"hour": 7, "minute": 5}
